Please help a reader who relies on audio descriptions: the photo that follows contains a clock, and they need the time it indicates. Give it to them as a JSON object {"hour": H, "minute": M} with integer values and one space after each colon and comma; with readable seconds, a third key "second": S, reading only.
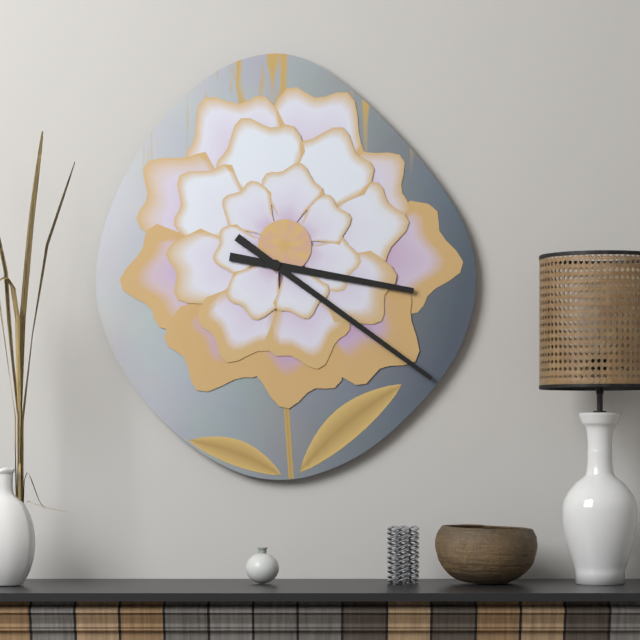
{"hour": 3, "minute": 21}
